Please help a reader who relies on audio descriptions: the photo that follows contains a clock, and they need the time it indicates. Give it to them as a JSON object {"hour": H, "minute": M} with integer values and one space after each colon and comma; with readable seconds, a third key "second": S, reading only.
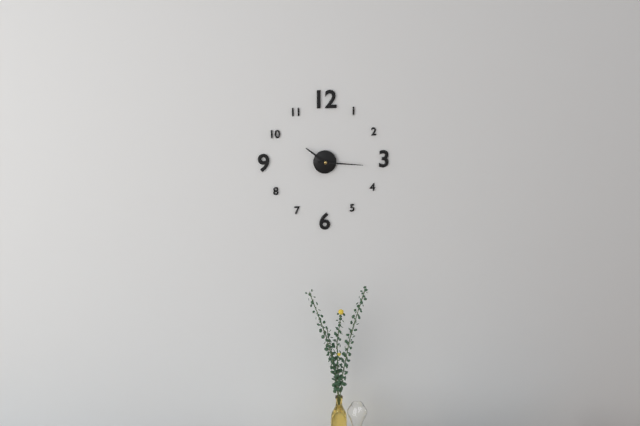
{"hour": 10, "minute": 16}
